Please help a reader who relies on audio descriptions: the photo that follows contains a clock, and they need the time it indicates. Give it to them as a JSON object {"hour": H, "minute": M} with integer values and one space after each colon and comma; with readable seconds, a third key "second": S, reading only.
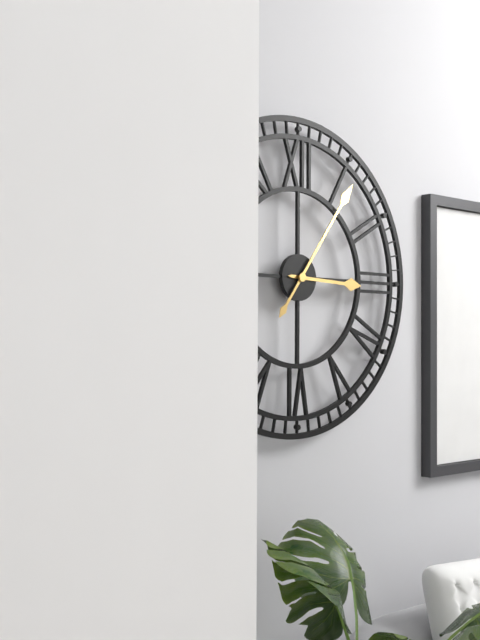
{"hour": 3, "minute": 6}
